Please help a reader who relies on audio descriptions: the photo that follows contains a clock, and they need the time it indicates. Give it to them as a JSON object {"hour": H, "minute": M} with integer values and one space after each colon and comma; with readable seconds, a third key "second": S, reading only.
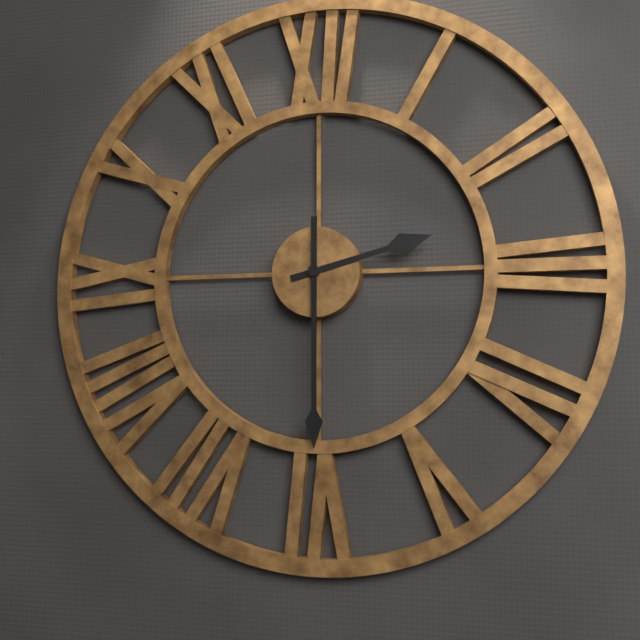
{"hour": 2, "minute": 30}
